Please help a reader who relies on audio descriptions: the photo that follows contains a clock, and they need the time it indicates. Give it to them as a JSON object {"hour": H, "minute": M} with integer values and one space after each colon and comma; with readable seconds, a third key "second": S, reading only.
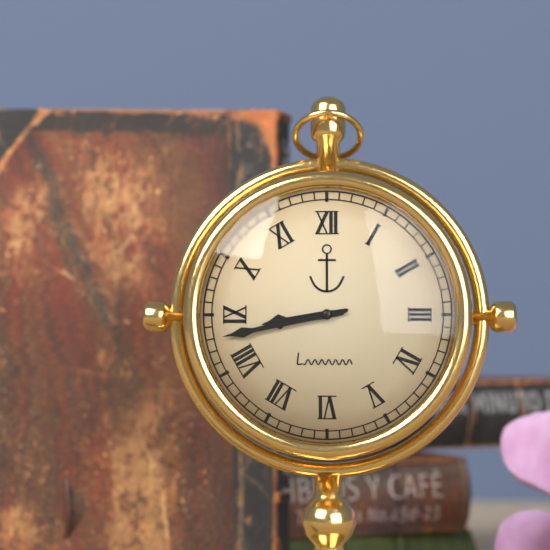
{"hour": 8, "minute": 43}
